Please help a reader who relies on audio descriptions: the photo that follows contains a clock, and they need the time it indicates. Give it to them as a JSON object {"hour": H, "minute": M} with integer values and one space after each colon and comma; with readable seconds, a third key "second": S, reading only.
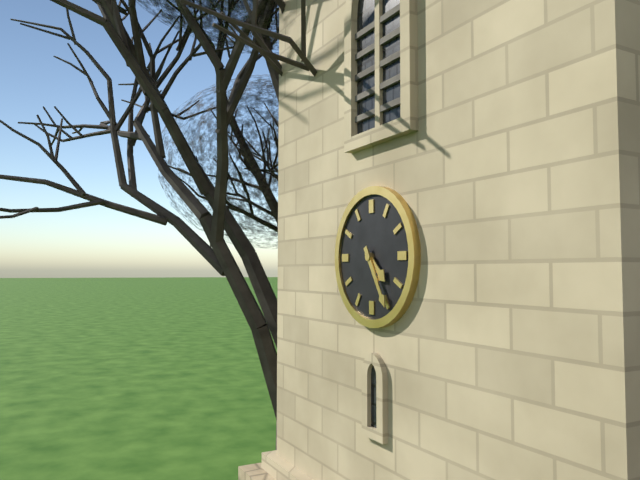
{"hour": 4, "minute": 25}
